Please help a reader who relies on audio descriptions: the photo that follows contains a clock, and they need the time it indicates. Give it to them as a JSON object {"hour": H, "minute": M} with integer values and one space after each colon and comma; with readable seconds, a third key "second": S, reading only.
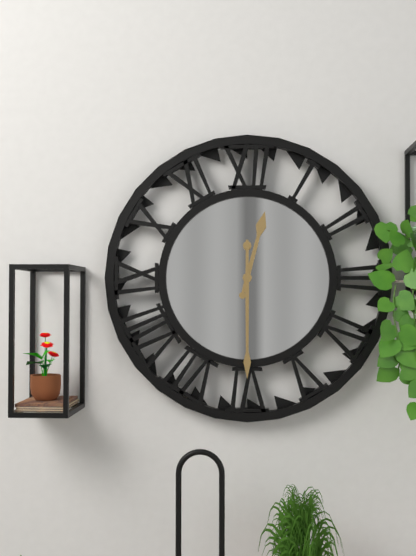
{"hour": 12, "minute": 30}
